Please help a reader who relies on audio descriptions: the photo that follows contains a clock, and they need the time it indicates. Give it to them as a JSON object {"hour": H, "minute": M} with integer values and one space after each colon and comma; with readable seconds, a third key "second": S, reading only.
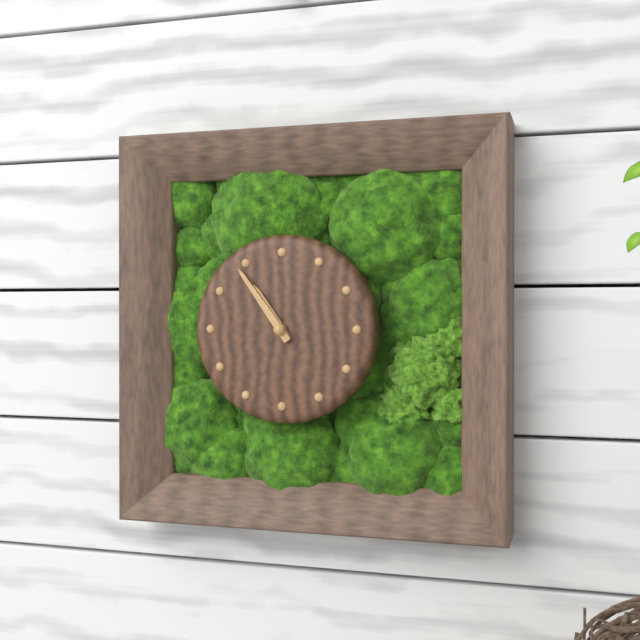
{"hour": 10, "minute": 54}
